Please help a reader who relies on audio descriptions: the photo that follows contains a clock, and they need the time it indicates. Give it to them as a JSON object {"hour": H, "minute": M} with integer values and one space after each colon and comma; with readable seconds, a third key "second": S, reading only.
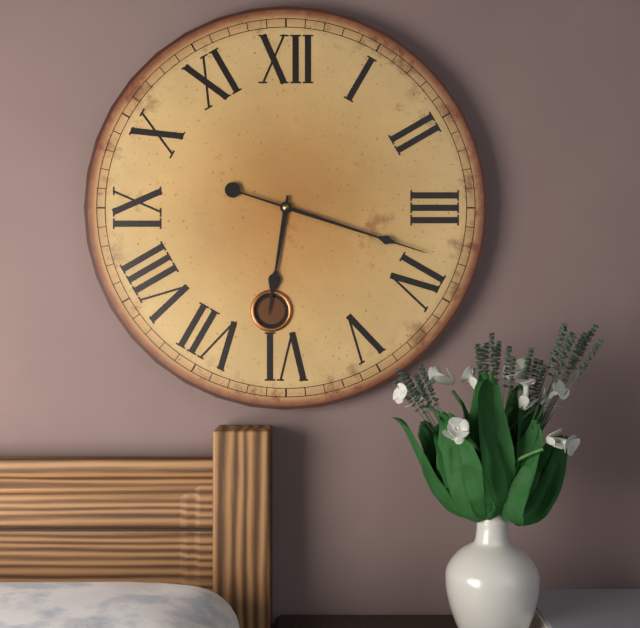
{"hour": 6, "minute": 18}
